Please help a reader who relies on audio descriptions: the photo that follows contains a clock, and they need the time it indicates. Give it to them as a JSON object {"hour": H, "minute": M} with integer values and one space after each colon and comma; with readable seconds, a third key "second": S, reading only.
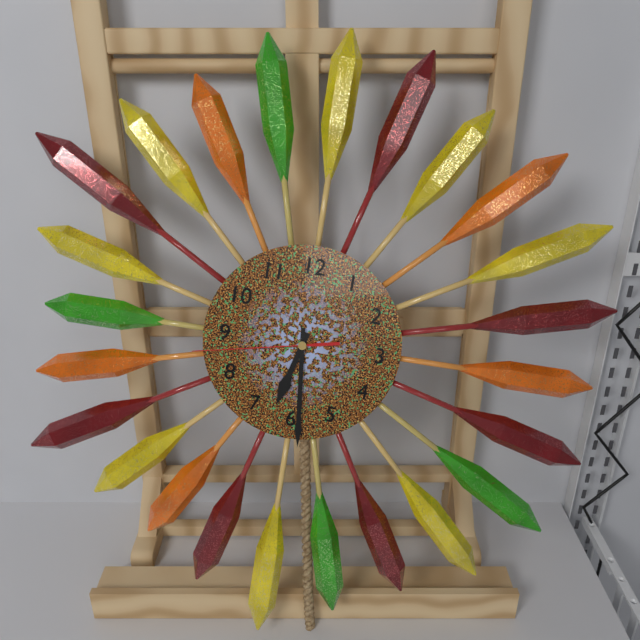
{"hour": 6, "minute": 29, "second": 43}
